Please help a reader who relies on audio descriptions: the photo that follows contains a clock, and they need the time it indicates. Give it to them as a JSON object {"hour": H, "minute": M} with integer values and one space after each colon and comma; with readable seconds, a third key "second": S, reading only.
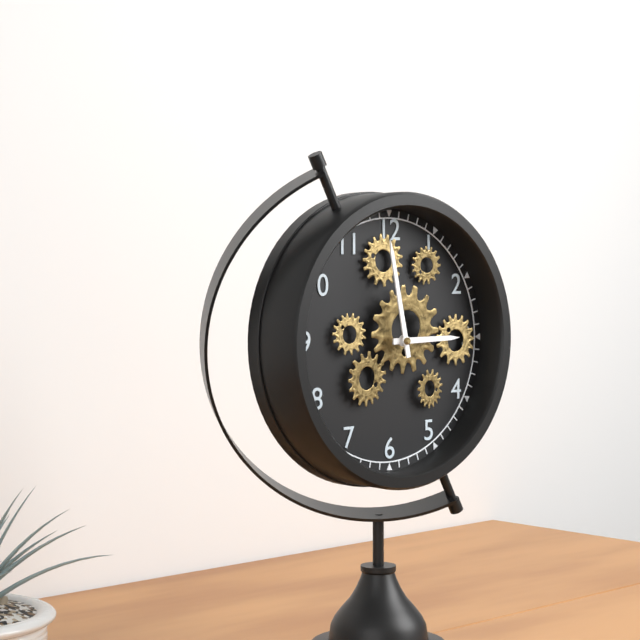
{"hour": 2, "minute": 58}
